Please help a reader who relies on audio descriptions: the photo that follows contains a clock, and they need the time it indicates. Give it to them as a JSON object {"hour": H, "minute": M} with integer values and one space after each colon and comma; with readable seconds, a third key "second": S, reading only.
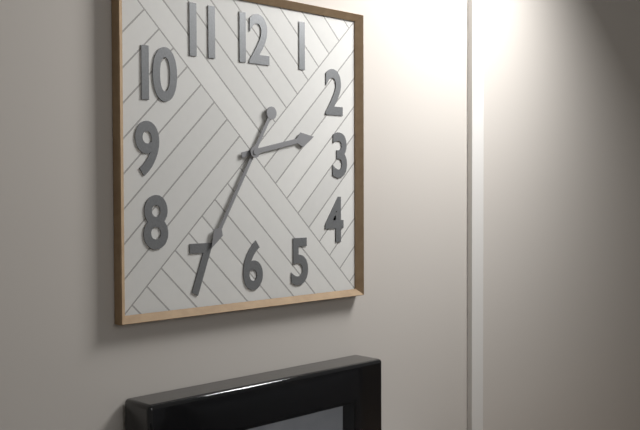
{"hour": 2, "minute": 35}
